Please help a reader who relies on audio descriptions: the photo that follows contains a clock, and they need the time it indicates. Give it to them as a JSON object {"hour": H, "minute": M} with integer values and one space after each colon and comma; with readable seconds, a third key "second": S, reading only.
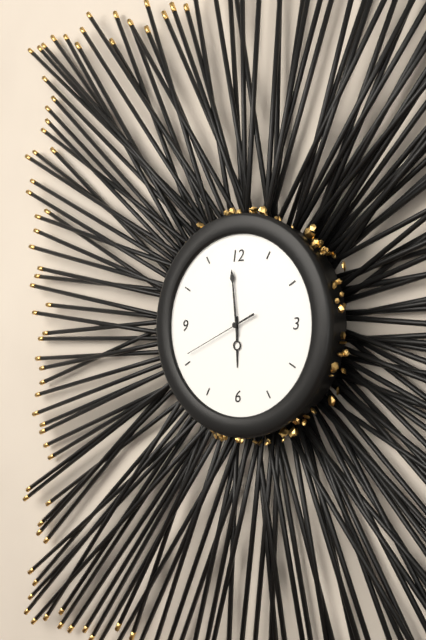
{"hour": 5, "minute": 59, "second": 41}
